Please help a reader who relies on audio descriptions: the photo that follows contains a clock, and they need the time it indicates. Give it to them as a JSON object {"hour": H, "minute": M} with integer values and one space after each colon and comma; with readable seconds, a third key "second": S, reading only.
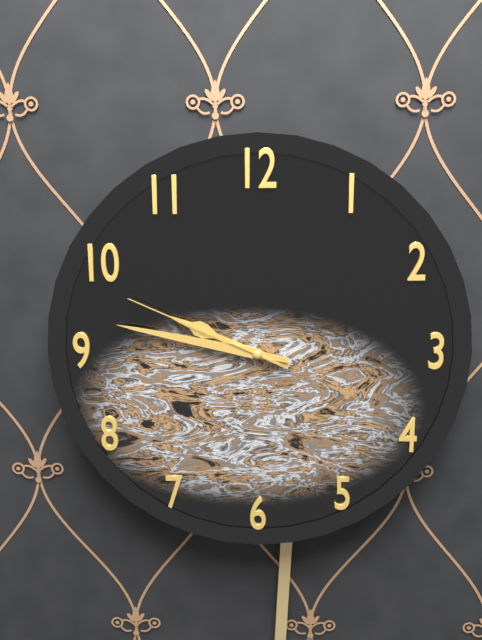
{"hour": 9, "minute": 47, "second": 49}
